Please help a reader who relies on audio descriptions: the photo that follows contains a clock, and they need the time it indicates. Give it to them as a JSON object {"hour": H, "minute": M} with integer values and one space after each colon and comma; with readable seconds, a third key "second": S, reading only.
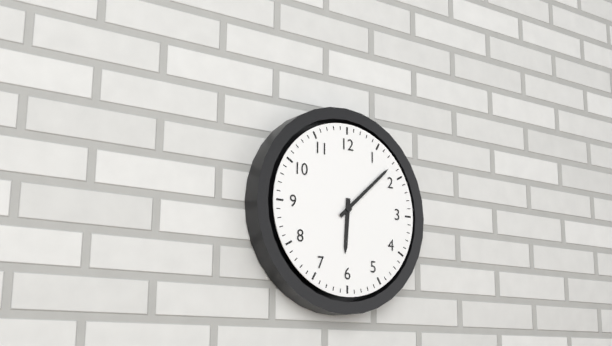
{"hour": 6, "minute": 8}
